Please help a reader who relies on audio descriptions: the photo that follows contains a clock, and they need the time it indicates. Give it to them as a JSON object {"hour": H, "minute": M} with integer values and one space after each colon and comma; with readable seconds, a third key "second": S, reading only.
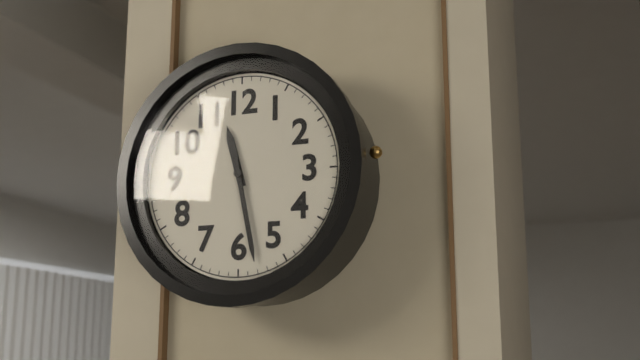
{"hour": 11, "minute": 28}
